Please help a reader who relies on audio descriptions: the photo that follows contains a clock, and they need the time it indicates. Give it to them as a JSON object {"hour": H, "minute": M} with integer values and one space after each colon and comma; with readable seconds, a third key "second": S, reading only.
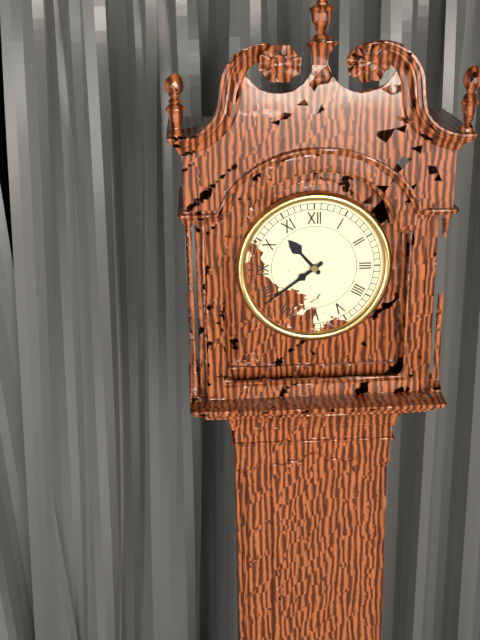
{"hour": 10, "minute": 39}
